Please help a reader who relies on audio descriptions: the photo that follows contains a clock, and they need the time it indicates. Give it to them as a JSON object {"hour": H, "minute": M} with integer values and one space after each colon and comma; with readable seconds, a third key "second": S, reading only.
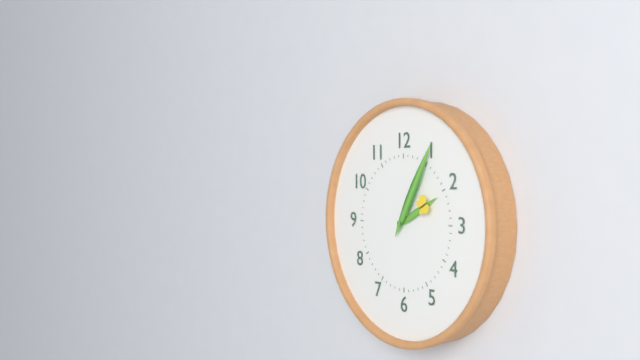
{"hour": 2, "minute": 5}
